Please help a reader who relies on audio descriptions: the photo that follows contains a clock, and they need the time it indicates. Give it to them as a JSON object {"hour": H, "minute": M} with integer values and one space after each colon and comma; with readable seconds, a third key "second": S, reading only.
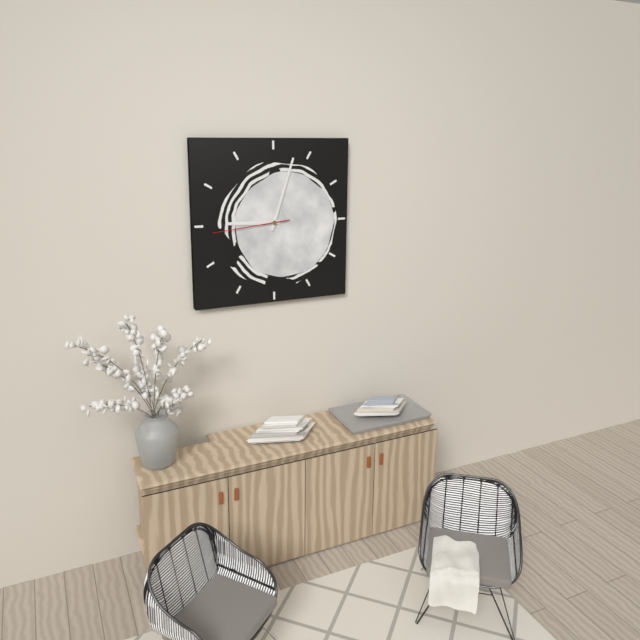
{"hour": 9, "minute": 3, "second": 44}
